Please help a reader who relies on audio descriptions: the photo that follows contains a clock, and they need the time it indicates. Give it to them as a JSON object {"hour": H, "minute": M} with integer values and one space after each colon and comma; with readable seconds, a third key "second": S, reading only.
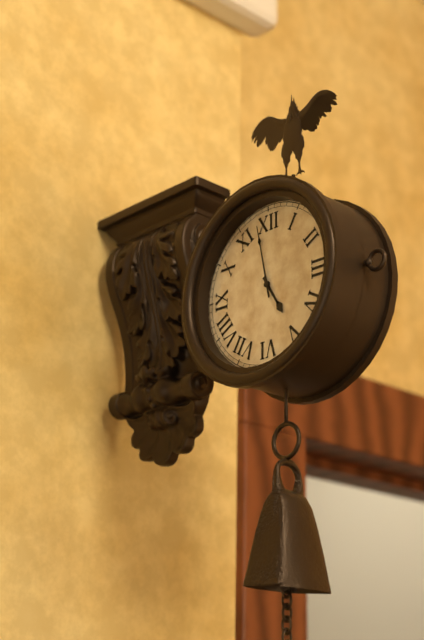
{"hour": 4, "minute": 58}
